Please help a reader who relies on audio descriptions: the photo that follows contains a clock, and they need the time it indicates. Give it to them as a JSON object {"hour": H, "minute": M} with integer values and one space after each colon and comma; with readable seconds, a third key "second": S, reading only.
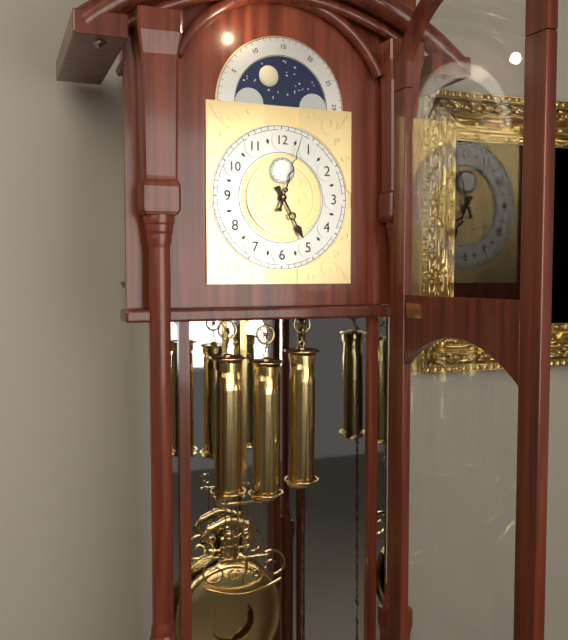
{"hour": 5, "minute": 3}
